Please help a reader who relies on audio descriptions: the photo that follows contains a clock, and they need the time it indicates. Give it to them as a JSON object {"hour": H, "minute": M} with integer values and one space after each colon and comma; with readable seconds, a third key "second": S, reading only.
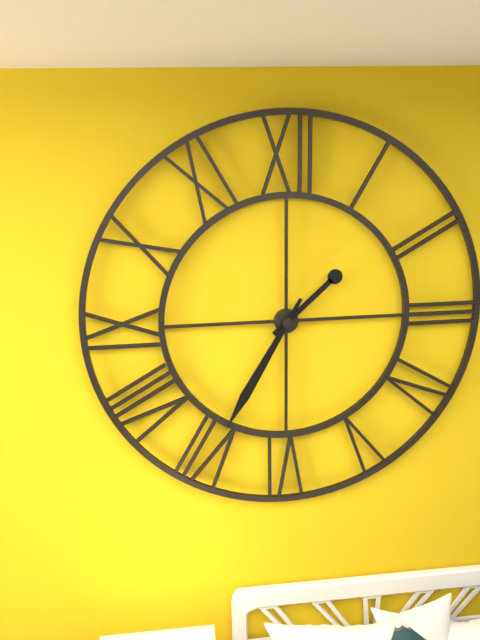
{"hour": 1, "minute": 35}
